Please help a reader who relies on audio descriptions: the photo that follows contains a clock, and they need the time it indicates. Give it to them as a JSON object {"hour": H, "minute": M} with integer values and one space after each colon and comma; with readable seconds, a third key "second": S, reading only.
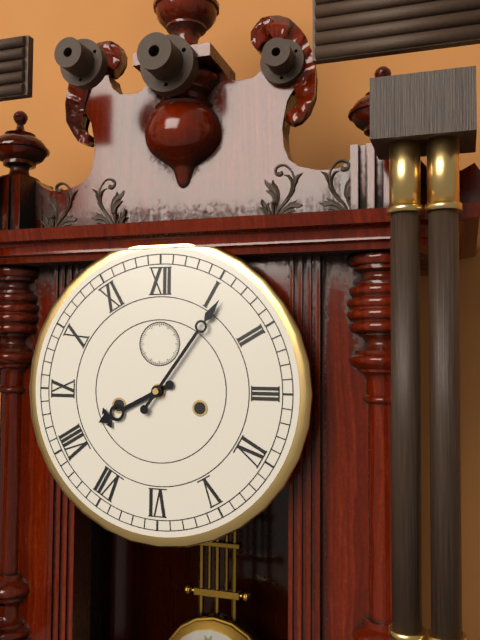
{"hour": 8, "minute": 6}
